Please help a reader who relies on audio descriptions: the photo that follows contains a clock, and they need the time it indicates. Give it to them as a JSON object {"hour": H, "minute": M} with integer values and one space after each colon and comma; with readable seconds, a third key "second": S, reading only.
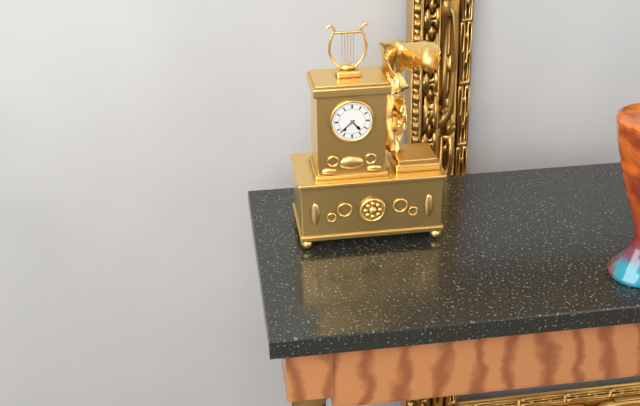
{"hour": 4, "minute": 38}
